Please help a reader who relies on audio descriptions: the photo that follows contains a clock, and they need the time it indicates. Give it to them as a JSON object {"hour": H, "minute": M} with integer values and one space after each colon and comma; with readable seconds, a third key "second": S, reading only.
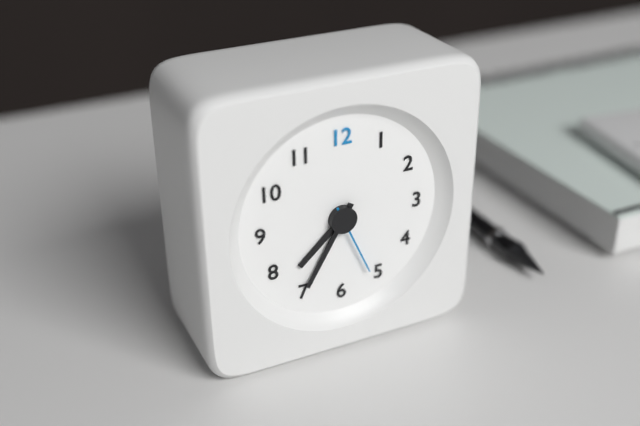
{"hour": 7, "minute": 35, "second": 26}
